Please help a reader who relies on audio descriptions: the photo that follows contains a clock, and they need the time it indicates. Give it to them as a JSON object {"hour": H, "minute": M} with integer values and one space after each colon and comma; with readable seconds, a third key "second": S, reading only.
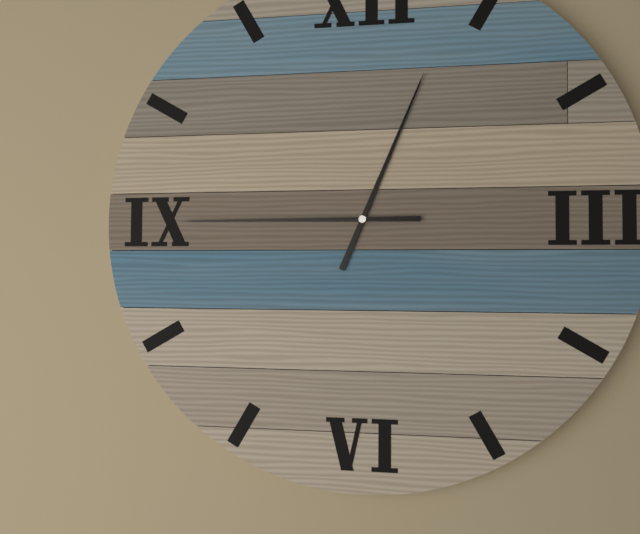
{"hour": 12, "minute": 45}
